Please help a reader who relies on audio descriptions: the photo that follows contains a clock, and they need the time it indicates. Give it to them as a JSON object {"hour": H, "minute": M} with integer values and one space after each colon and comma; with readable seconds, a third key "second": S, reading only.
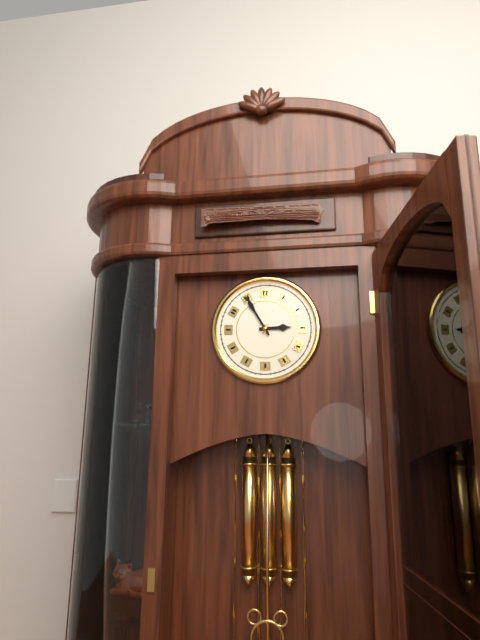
{"hour": 2, "minute": 55}
